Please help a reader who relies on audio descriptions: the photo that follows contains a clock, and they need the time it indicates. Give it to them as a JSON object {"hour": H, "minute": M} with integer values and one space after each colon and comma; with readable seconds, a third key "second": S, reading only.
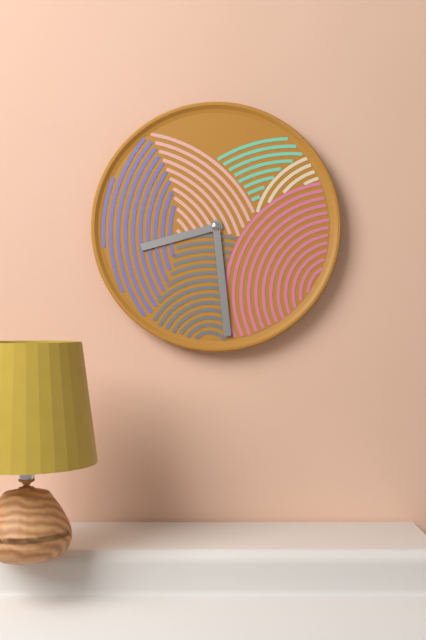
{"hour": 8, "minute": 29}
